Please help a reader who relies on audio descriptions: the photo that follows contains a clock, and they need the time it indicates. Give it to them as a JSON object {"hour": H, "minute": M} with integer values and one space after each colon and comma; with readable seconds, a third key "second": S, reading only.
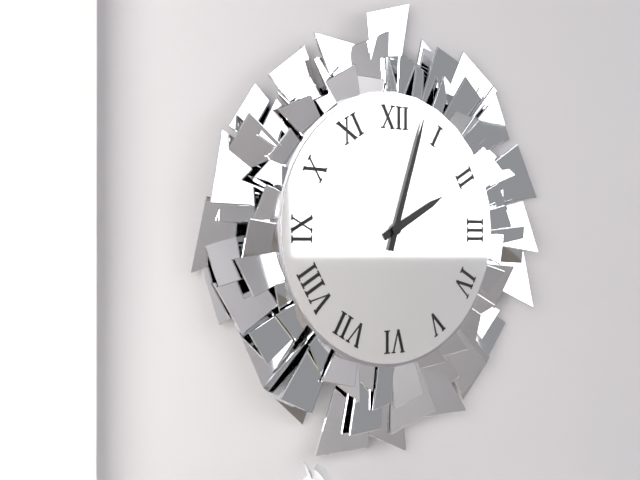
{"hour": 2, "minute": 3}
